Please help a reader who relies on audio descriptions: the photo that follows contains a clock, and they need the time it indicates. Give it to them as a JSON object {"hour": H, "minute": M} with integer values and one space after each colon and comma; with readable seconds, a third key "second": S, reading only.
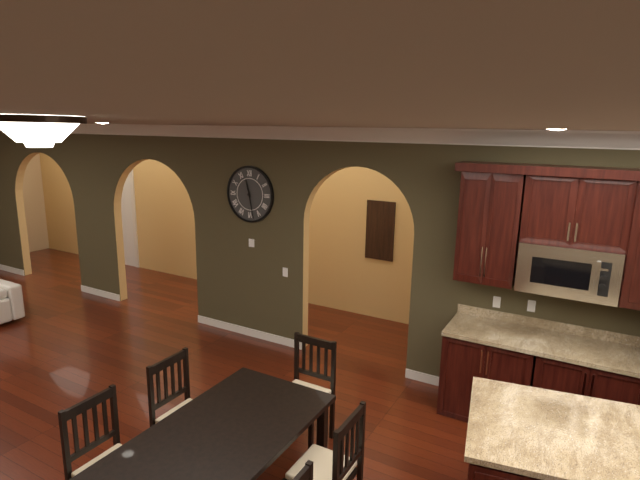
{"hour": 11, "minute": 28}
